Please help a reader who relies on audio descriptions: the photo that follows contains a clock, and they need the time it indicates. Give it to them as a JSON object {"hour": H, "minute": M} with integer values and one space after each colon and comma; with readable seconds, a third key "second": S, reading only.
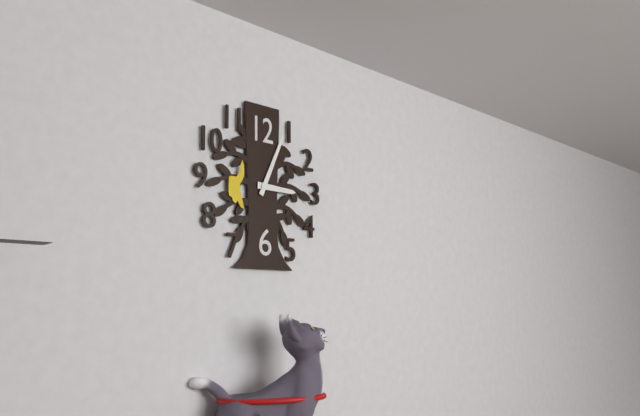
{"hour": 3, "minute": 4}
